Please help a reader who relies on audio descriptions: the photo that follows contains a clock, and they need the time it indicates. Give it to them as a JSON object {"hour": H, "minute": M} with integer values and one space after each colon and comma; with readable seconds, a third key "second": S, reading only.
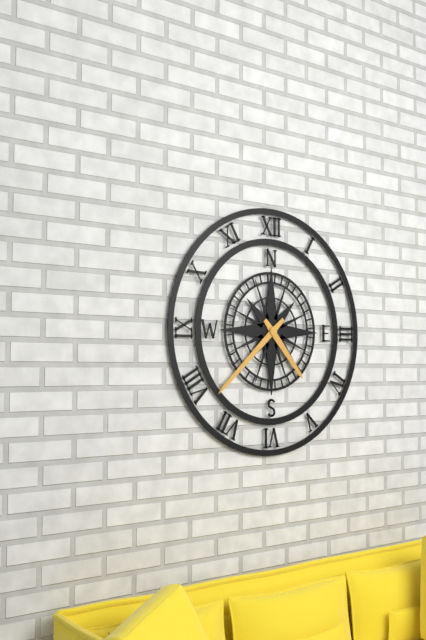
{"hour": 4, "minute": 38}
